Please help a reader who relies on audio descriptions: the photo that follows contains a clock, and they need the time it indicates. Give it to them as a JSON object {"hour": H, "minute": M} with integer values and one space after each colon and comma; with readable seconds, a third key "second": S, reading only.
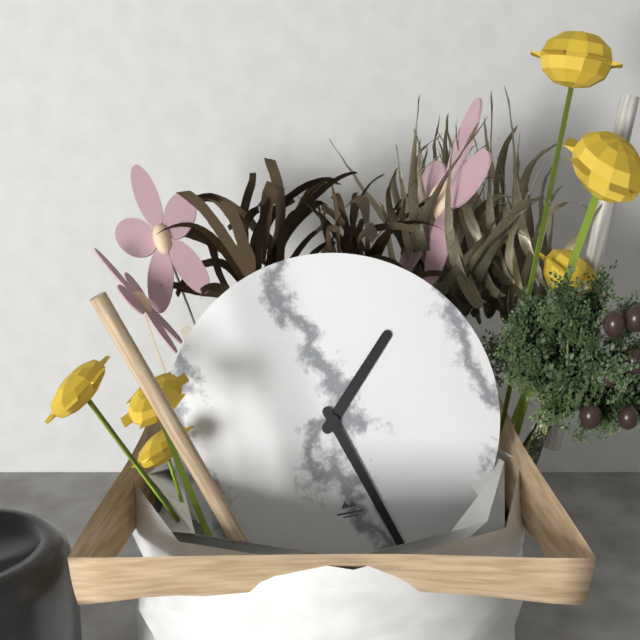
{"hour": 1, "minute": 27}
